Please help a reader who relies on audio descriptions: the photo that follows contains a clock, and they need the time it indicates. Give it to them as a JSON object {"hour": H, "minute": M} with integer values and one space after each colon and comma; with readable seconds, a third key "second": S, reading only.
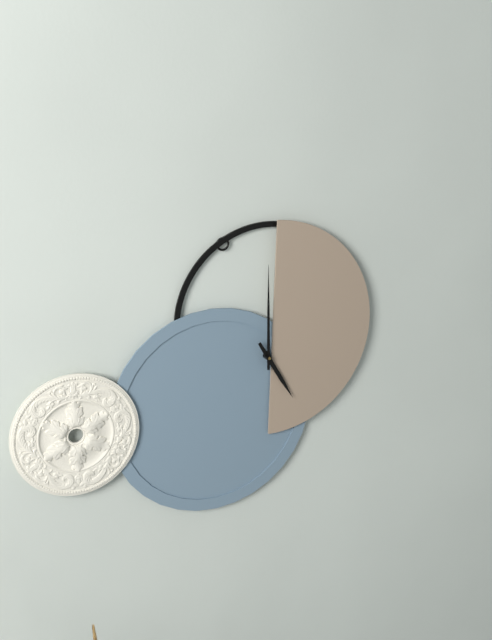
{"hour": 5, "minute": 0}
